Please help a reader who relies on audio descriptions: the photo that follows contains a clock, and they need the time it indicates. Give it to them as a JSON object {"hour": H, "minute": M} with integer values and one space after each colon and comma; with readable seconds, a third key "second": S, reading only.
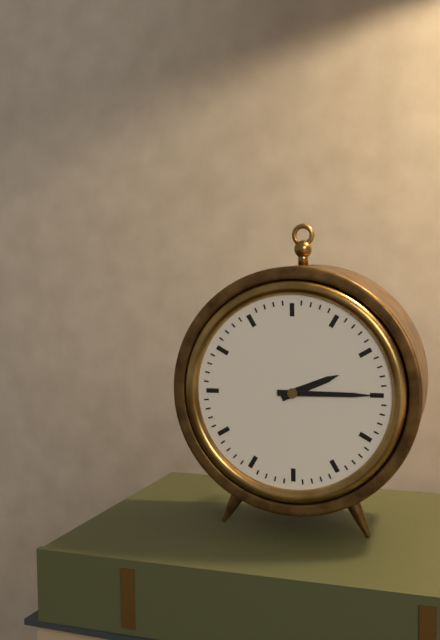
{"hour": 2, "minute": 15}
